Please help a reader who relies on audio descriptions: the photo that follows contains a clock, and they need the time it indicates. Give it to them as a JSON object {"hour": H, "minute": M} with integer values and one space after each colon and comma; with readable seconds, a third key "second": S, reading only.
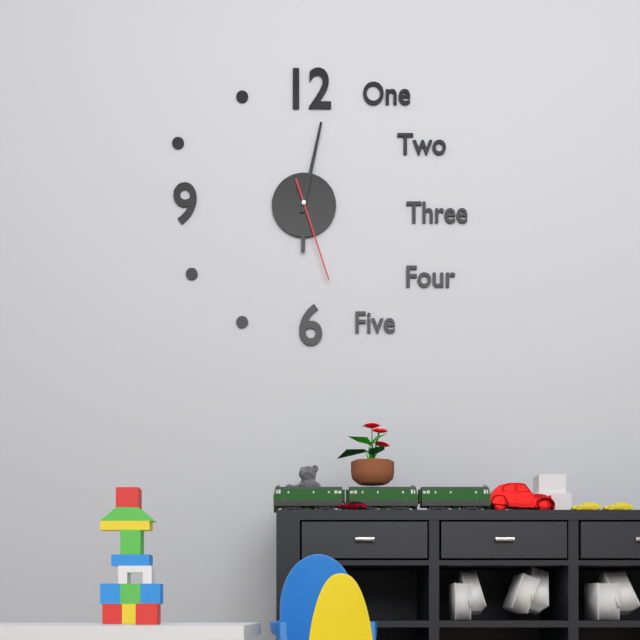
{"hour": 6, "minute": 2, "second": 27}
